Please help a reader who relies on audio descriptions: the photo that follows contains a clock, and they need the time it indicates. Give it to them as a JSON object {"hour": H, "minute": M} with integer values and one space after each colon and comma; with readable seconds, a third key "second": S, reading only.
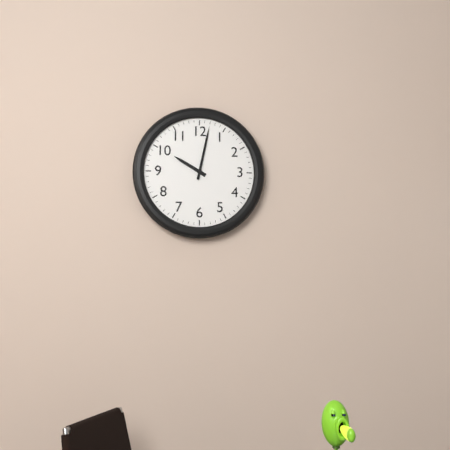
{"hour": 10, "minute": 2}
